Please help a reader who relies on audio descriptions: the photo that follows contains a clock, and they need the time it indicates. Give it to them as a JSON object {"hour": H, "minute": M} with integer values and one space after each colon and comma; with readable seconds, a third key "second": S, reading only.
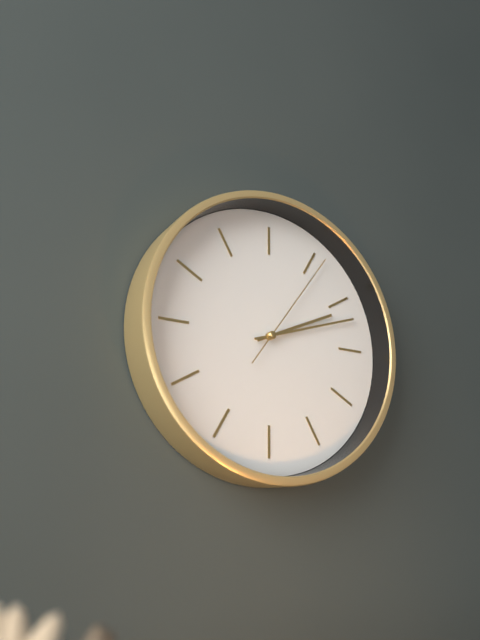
{"hour": 2, "minute": 12, "second": 6}
